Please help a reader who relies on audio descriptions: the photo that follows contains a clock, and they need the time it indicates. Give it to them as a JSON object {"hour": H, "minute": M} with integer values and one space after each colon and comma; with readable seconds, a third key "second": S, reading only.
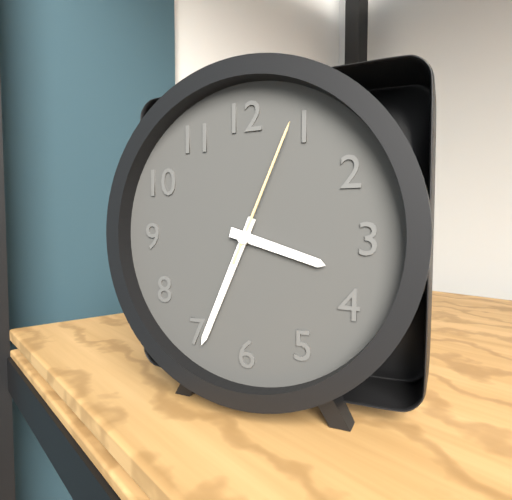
{"hour": 3, "minute": 34, "second": 4}
